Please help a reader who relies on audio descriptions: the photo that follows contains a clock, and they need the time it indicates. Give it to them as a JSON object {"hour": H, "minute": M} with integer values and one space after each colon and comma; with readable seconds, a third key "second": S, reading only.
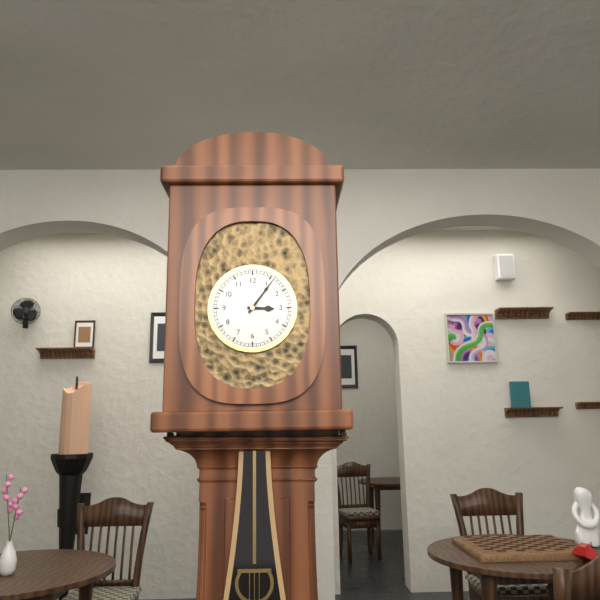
{"hour": 3, "minute": 6}
